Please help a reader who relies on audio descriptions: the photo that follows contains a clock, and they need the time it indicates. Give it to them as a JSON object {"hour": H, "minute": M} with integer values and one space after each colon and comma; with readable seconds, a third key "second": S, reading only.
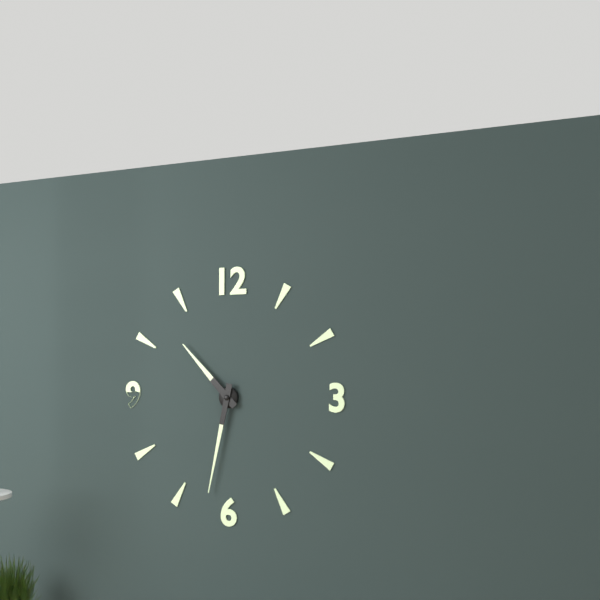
{"hour": 10, "minute": 32}
